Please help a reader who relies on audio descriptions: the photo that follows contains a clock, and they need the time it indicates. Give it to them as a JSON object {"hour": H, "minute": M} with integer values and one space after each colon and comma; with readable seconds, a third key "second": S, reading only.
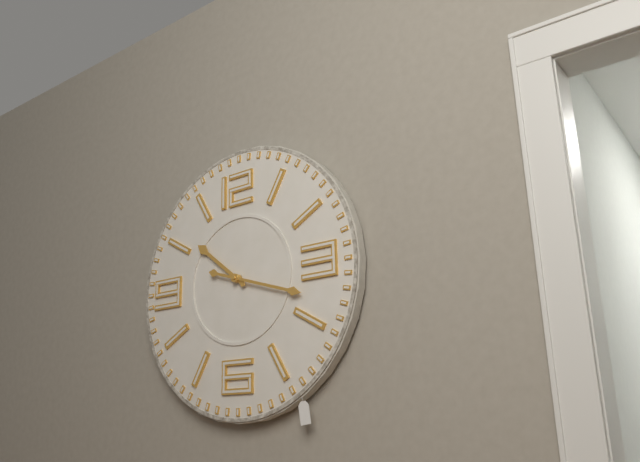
{"hour": 10, "minute": 18}
